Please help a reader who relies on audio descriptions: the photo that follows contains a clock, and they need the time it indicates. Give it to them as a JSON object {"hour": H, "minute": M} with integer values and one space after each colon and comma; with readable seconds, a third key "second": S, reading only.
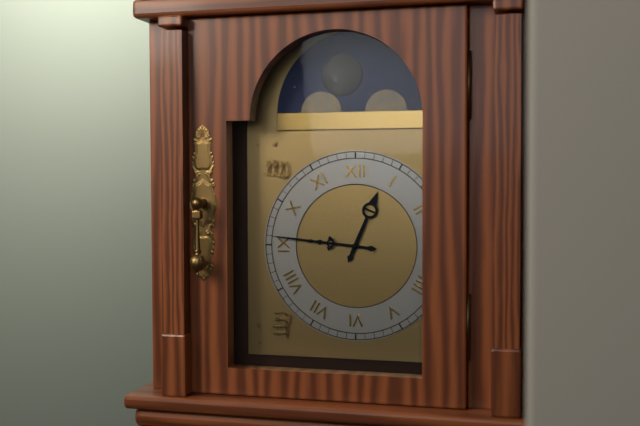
{"hour": 12, "minute": 46}
